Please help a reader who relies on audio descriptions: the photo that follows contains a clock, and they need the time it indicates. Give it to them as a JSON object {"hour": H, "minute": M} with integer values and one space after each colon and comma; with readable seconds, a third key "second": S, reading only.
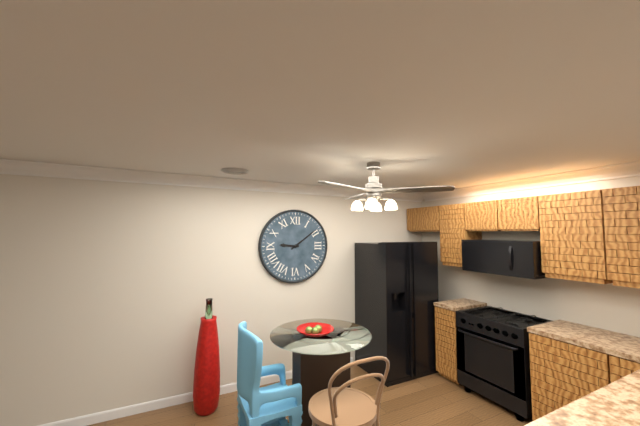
{"hour": 9, "minute": 9}
